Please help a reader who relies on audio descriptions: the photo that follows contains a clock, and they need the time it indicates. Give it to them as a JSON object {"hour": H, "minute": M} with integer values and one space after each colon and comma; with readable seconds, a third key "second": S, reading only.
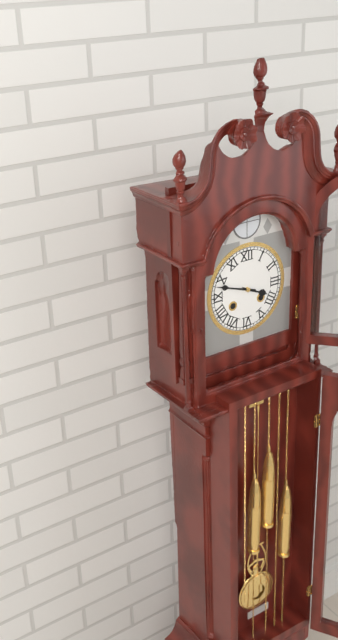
{"hour": 3, "minute": 48}
